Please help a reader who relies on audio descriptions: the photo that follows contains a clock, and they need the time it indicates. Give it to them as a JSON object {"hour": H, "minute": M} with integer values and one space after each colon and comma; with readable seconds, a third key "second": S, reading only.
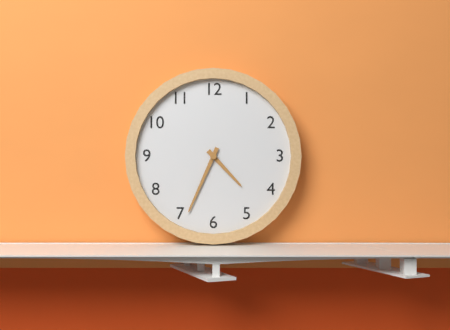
{"hour": 4, "minute": 34}
